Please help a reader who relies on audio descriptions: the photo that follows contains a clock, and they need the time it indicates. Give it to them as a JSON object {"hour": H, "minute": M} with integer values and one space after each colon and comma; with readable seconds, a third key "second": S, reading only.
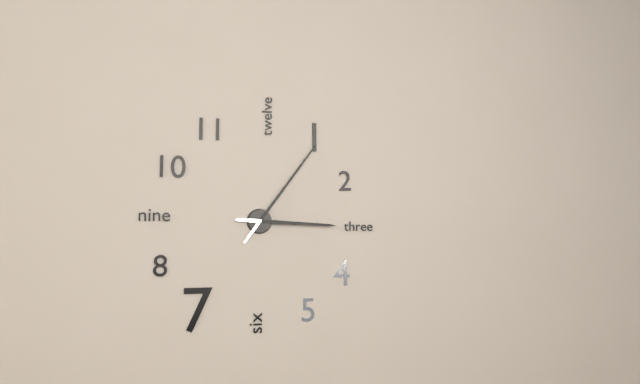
{"hour": 3, "minute": 6}
